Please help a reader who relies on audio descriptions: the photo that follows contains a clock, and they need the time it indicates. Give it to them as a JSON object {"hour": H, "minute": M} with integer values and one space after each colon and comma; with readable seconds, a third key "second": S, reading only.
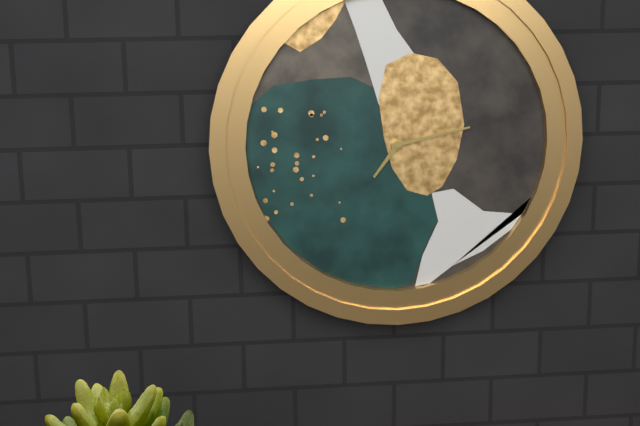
{"hour": 7, "minute": 13}
